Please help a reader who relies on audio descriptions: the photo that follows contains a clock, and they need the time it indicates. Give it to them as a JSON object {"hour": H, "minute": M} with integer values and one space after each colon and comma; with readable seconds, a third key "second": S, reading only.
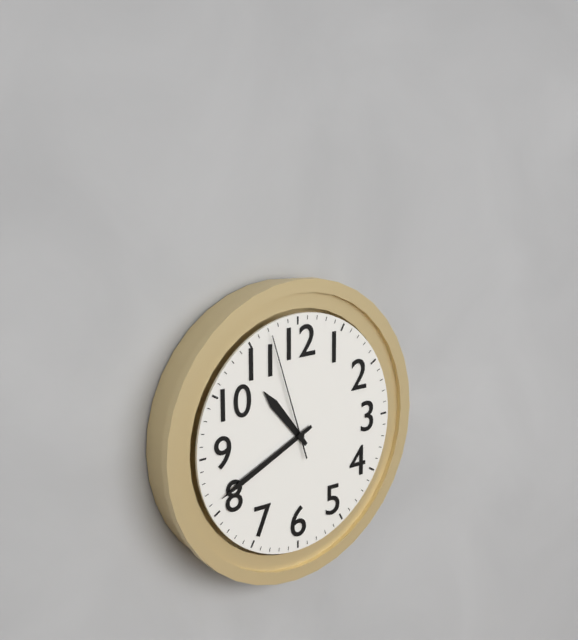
{"hour": 10, "minute": 41, "second": 57}
